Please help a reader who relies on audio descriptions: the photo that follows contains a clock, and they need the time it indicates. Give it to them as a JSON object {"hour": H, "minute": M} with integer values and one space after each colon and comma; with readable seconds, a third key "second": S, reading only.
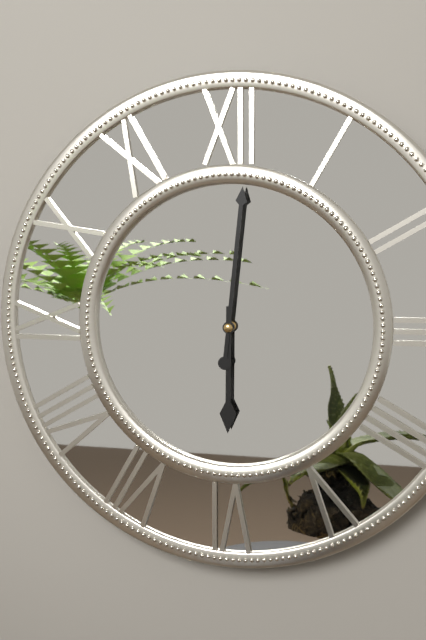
{"hour": 6, "minute": 1}
